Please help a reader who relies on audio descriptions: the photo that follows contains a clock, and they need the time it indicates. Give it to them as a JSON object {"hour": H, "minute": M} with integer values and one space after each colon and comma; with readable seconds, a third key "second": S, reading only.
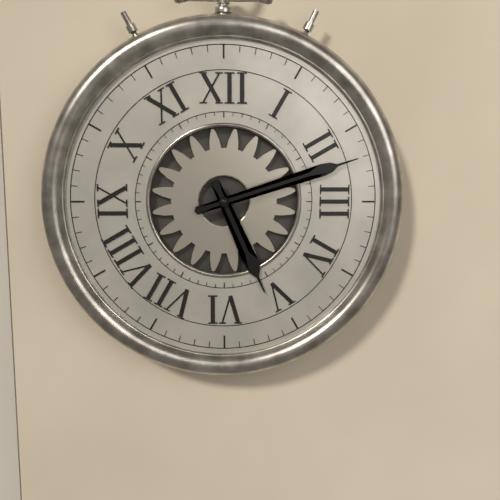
{"hour": 5, "minute": 12}
